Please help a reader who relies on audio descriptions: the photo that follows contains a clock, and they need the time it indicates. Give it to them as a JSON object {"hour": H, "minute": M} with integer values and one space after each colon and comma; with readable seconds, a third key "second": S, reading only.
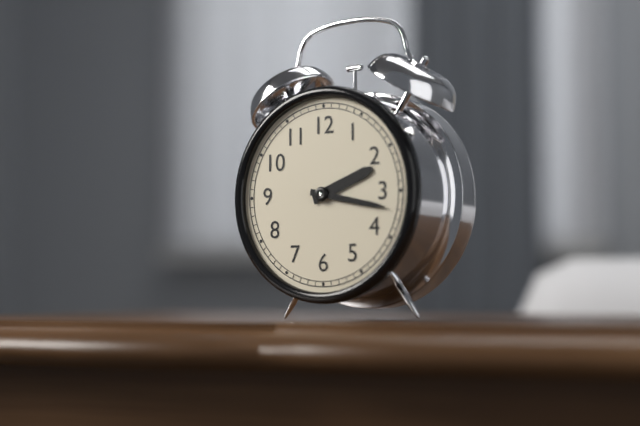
{"hour": 2, "minute": 17}
